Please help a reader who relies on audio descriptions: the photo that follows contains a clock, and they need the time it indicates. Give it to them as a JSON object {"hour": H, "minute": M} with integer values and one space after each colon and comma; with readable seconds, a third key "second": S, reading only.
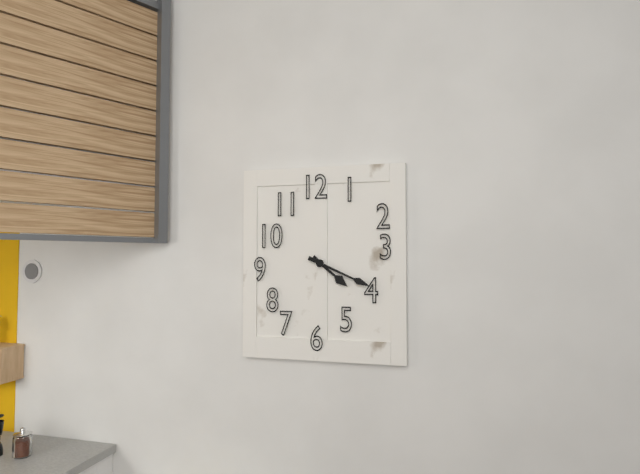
{"hour": 4, "minute": 19}
